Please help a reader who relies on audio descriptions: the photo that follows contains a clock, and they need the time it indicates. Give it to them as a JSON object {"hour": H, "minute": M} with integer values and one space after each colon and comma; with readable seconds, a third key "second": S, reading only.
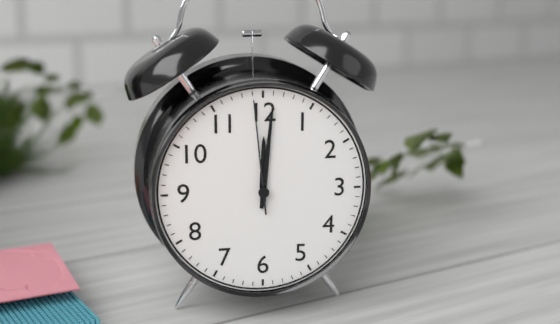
{"hour": 12, "minute": 1, "second": 59}
